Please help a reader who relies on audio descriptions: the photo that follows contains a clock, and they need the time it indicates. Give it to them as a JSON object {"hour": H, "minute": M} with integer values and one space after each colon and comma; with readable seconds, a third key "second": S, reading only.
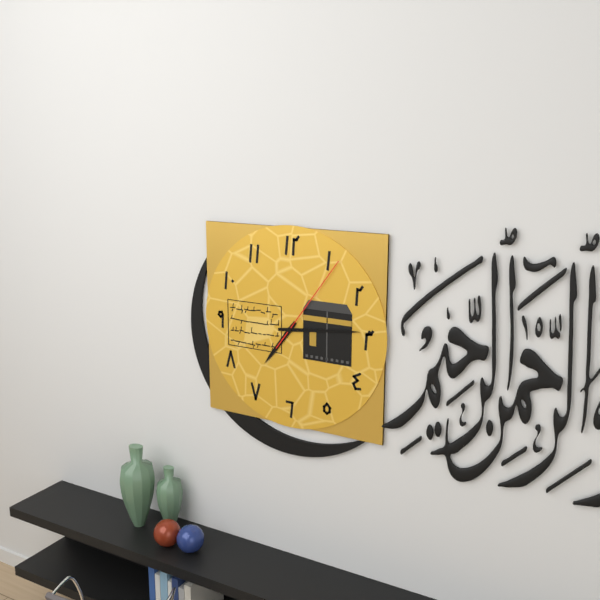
{"hour": 7, "minute": 14, "second": 6}
